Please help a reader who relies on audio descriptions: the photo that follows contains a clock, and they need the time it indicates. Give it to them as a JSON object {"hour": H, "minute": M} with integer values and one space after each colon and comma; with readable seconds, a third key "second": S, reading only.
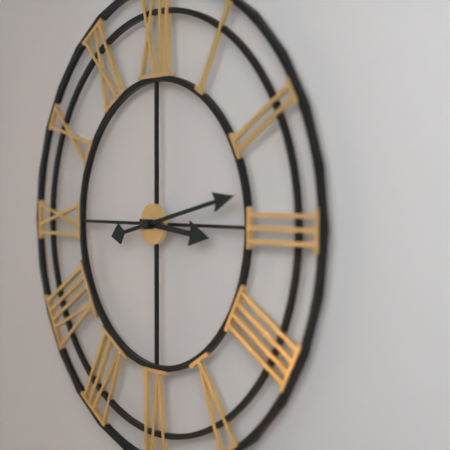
{"hour": 3, "minute": 13}
